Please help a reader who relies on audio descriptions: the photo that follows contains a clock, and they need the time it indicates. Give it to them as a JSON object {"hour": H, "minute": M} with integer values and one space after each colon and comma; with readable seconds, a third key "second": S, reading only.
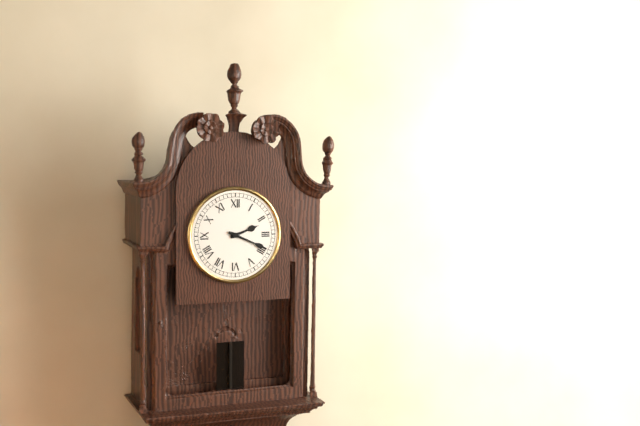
{"hour": 2, "minute": 19}
